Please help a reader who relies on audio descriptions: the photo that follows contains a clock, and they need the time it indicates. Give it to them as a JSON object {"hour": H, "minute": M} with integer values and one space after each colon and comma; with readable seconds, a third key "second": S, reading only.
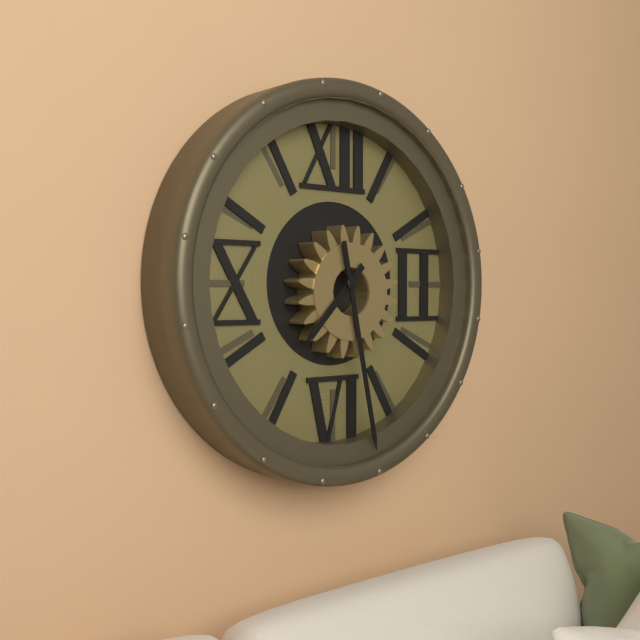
{"hour": 7, "minute": 28}
